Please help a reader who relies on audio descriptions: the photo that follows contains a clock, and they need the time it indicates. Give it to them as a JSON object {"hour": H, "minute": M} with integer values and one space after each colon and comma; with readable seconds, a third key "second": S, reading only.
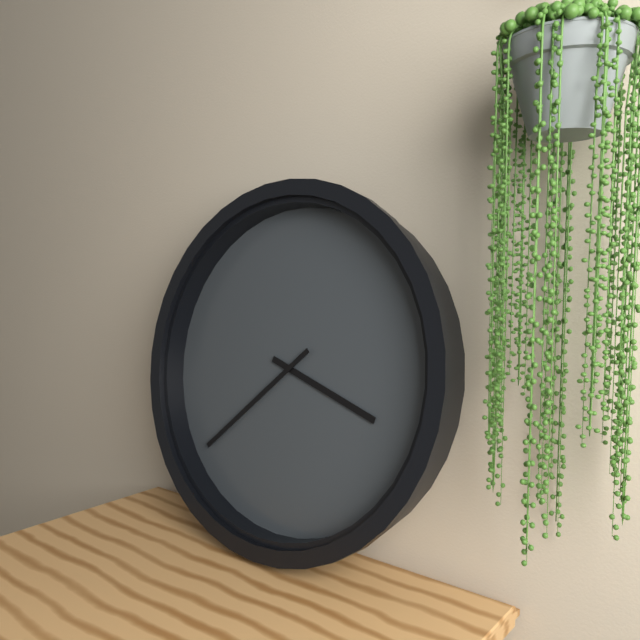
{"hour": 3, "minute": 38}
